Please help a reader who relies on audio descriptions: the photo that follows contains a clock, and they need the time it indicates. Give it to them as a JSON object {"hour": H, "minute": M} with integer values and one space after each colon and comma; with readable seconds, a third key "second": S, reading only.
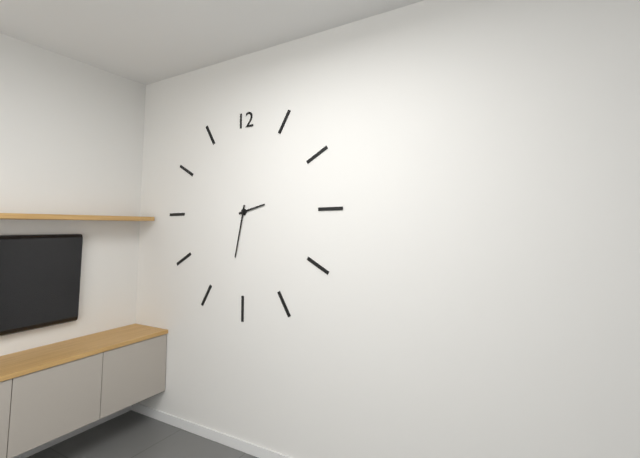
{"hour": 2, "minute": 32}
